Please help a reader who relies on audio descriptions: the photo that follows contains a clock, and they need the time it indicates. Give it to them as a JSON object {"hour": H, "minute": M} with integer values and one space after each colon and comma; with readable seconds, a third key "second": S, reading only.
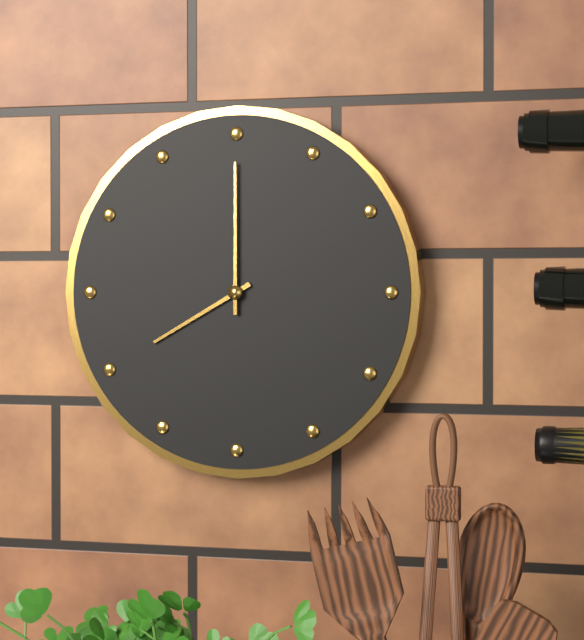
{"hour": 8, "minute": 0}
